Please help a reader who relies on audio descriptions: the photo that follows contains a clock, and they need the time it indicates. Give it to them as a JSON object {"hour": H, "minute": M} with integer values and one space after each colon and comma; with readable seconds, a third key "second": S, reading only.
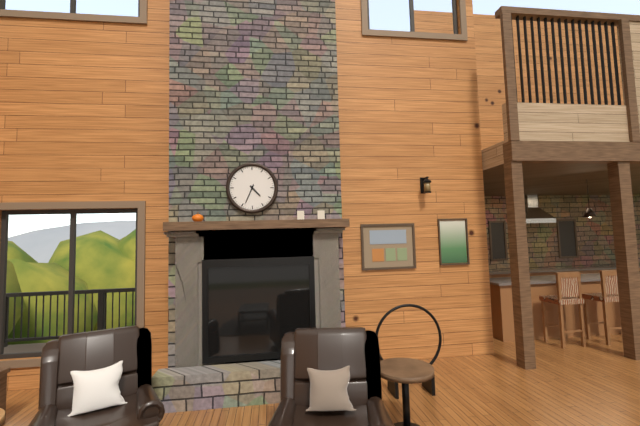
{"hour": 4, "minute": 34}
